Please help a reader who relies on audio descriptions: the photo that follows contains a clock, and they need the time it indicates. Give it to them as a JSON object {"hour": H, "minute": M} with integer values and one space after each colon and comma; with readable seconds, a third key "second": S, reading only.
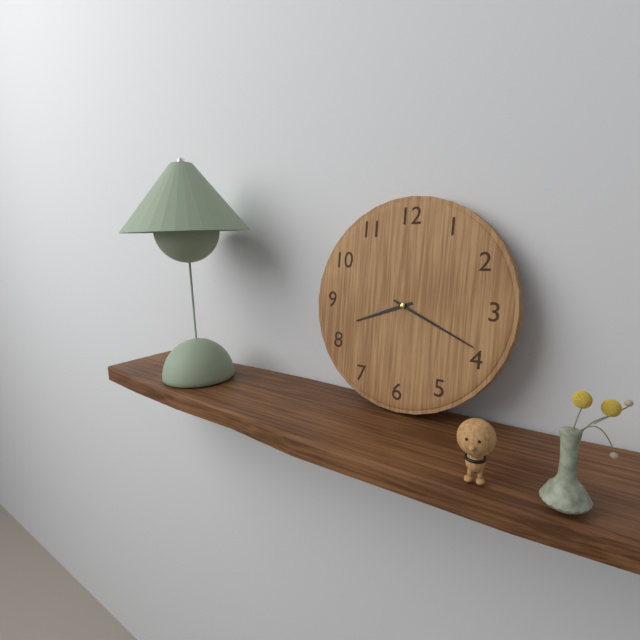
{"hour": 8, "minute": 19}
